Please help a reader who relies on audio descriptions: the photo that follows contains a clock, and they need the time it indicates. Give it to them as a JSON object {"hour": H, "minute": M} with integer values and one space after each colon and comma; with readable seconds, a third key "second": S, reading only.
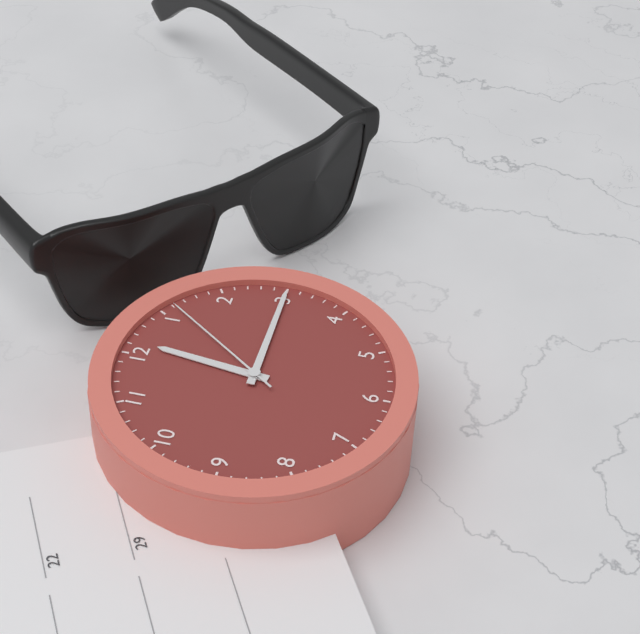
{"hour": 12, "minute": 15, "second": 6}
